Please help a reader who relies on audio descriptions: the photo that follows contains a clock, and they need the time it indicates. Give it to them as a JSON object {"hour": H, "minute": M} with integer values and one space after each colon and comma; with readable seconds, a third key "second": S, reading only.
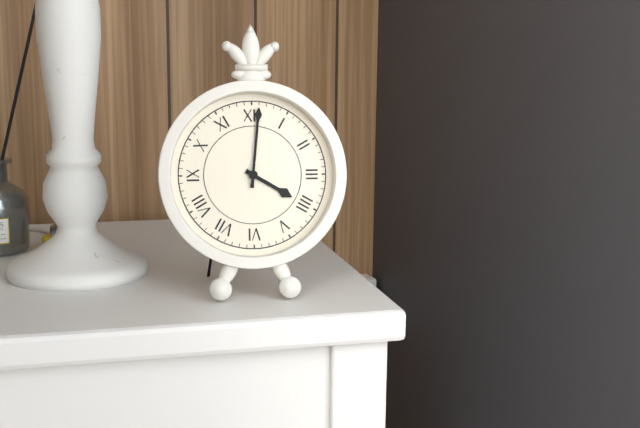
{"hour": 4, "minute": 1}
